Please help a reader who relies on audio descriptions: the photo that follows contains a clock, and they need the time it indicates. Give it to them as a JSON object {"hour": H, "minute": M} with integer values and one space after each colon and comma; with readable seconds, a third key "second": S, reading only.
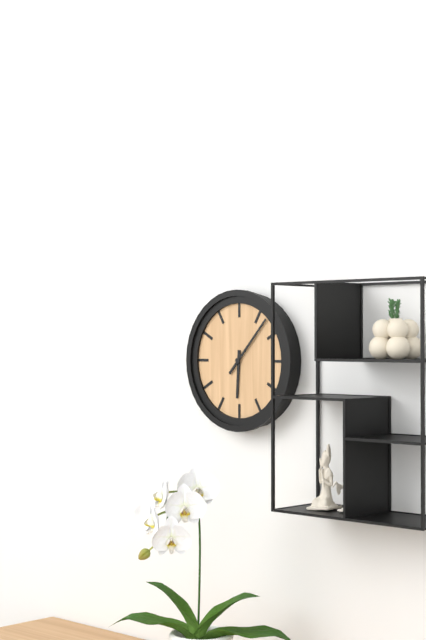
{"hour": 6, "minute": 7}
